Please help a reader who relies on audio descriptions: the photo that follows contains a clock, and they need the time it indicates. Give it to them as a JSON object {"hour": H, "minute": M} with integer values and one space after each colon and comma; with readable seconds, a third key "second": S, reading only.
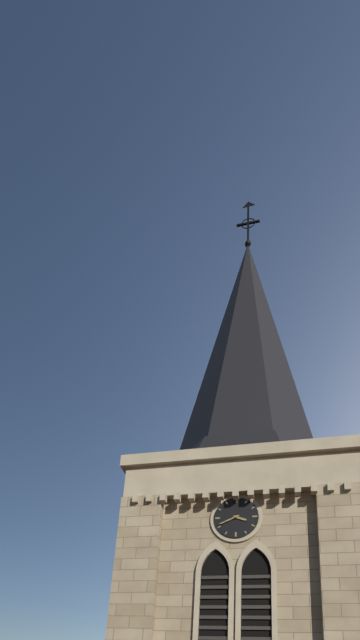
{"hour": 3, "minute": 41}
